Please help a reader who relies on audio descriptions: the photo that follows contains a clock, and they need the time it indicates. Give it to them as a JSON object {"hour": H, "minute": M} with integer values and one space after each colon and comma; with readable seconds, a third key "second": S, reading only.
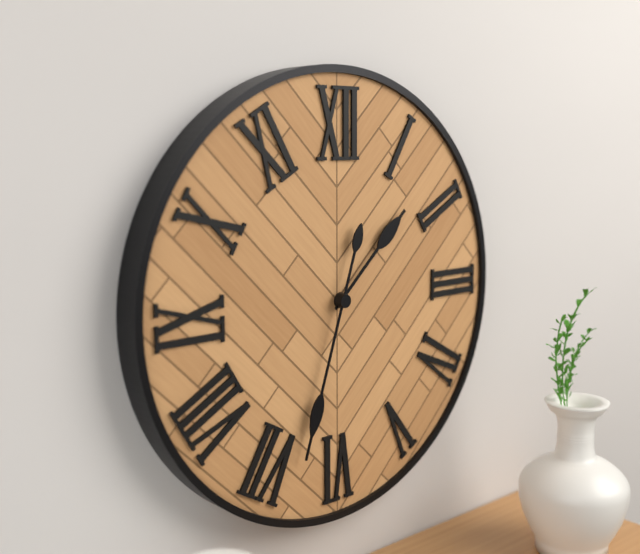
{"hour": 1, "minute": 33}
